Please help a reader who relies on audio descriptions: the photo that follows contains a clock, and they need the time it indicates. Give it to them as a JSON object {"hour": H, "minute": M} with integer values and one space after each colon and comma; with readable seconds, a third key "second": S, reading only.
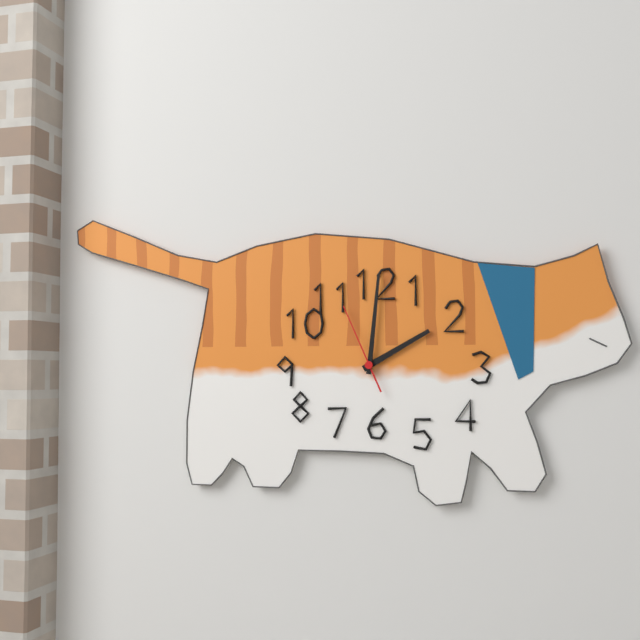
{"hour": 2, "minute": 1, "second": 56}
